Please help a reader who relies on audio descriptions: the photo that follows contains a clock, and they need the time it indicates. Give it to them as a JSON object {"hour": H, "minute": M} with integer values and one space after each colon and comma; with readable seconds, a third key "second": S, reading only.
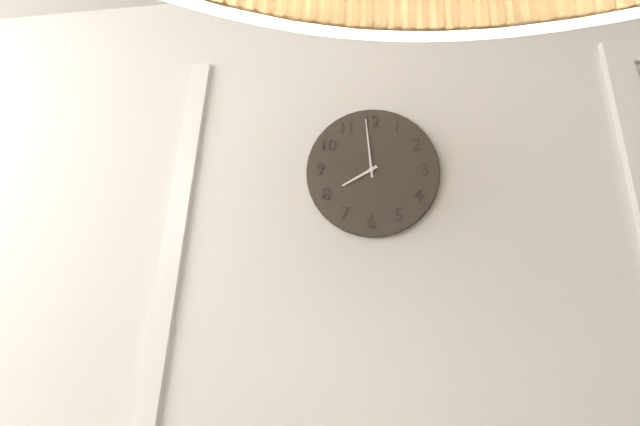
{"hour": 7, "minute": 59}
